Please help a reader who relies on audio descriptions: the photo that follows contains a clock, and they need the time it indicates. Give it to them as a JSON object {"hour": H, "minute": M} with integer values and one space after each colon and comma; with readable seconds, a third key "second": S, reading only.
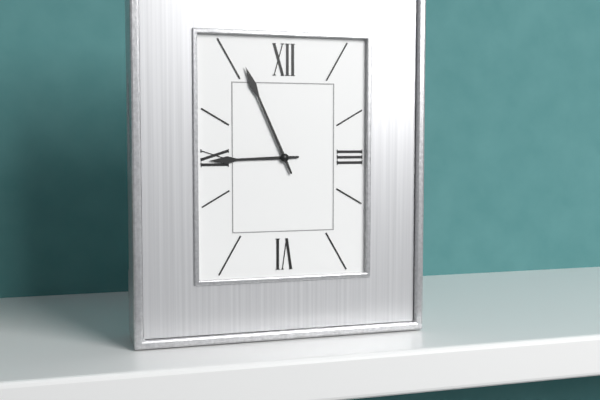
{"hour": 8, "minute": 56}
